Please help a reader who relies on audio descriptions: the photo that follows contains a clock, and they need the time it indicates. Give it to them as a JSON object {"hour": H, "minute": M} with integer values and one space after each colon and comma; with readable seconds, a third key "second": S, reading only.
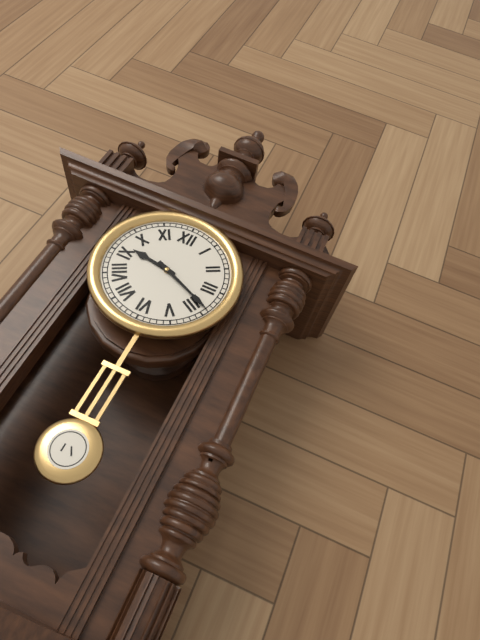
{"hour": 9, "minute": 19}
